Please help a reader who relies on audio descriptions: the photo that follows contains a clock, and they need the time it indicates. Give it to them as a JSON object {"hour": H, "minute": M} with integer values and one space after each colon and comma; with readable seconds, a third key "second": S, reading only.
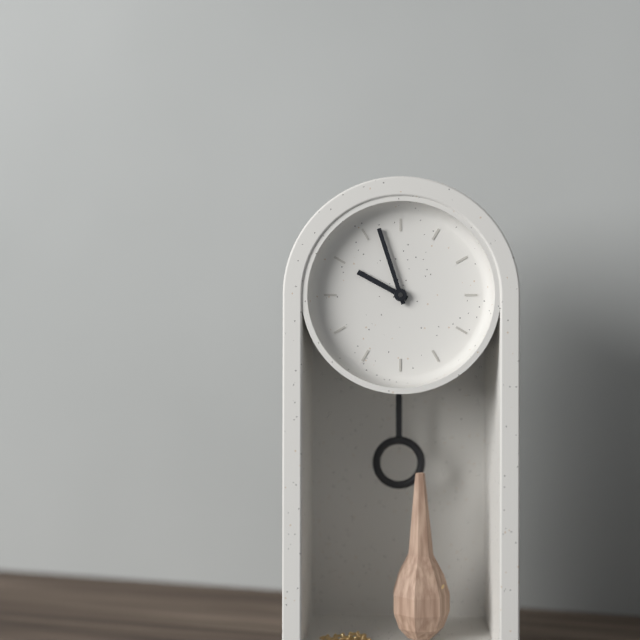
{"hour": 9, "minute": 57}
